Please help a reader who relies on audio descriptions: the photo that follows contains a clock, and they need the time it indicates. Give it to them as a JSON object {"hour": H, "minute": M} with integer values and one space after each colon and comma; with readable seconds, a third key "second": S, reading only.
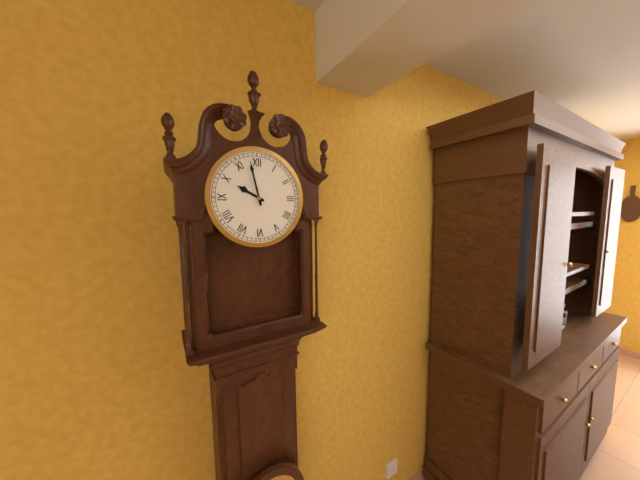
{"hour": 9, "minute": 58}
